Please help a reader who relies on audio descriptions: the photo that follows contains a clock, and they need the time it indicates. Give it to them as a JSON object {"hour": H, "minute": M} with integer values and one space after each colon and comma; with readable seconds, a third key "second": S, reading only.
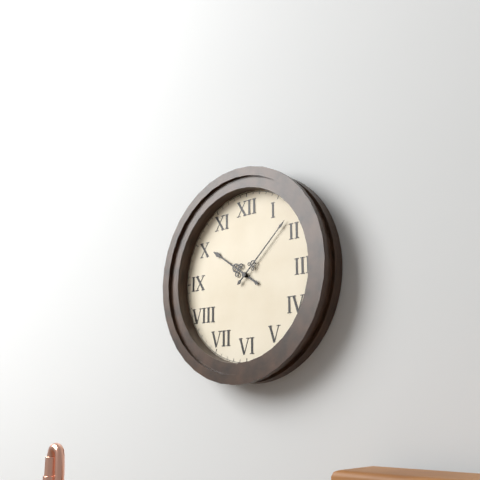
{"hour": 10, "minute": 8}
